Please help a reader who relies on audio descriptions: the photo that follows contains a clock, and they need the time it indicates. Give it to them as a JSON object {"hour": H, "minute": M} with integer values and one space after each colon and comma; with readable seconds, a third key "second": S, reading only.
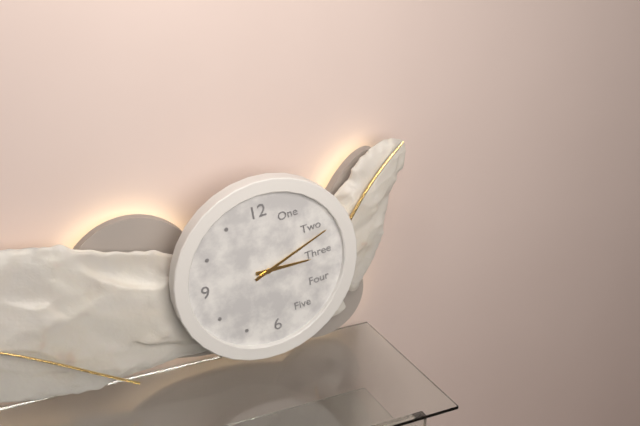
{"hour": 3, "minute": 12}
